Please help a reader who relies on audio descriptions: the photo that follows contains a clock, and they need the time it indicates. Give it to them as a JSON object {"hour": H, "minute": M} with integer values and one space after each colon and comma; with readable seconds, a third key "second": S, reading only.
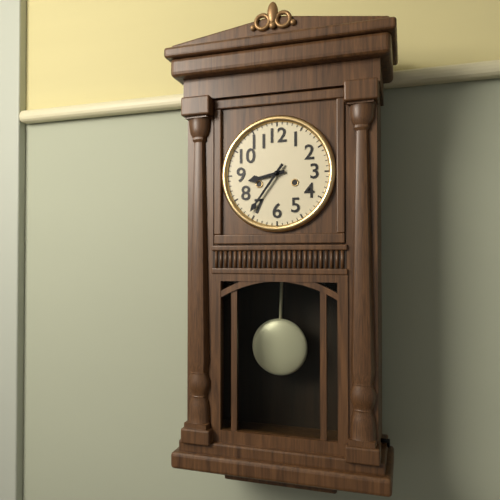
{"hour": 8, "minute": 36}
